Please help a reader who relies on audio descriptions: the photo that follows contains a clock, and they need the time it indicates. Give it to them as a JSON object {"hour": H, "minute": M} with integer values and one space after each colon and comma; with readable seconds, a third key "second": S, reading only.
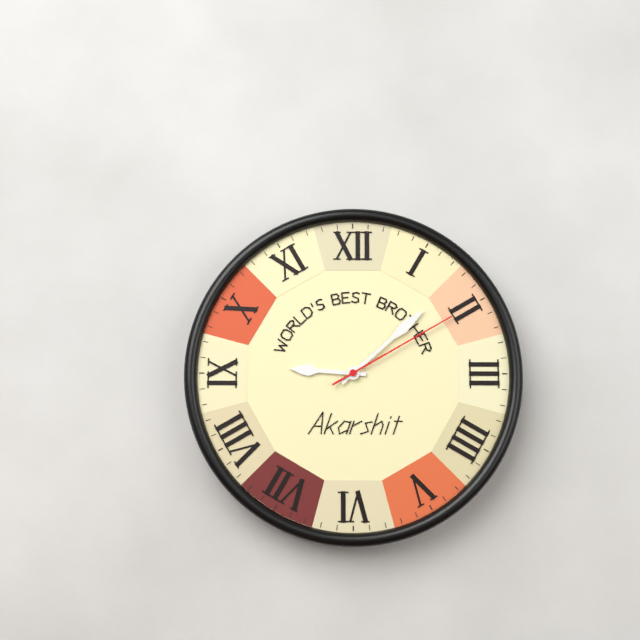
{"hour": 9, "minute": 8, "second": 10}
